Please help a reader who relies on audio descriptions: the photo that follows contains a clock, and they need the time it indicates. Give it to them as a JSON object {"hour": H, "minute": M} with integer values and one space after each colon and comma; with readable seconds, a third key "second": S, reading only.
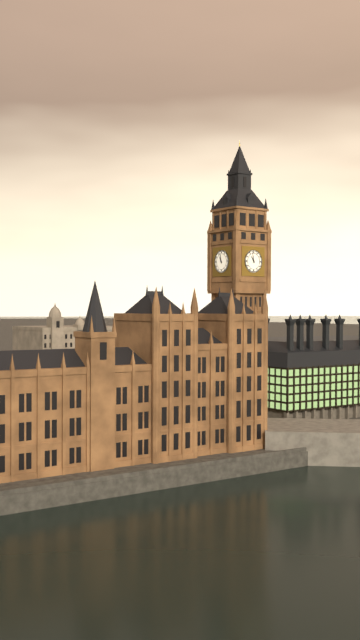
{"hour": 10, "minute": 58}
